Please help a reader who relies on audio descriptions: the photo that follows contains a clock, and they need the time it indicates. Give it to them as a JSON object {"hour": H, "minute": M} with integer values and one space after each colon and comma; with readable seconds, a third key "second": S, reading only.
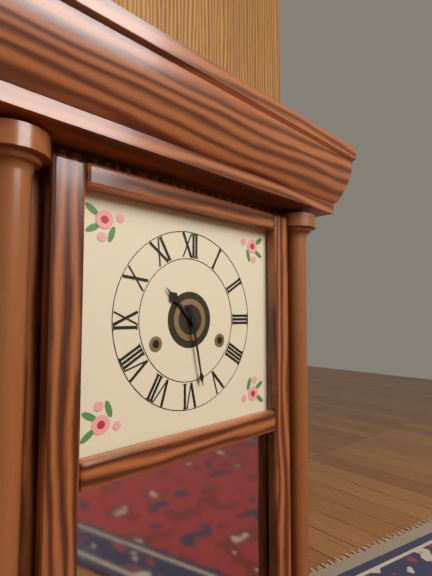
{"hour": 10, "minute": 28}
